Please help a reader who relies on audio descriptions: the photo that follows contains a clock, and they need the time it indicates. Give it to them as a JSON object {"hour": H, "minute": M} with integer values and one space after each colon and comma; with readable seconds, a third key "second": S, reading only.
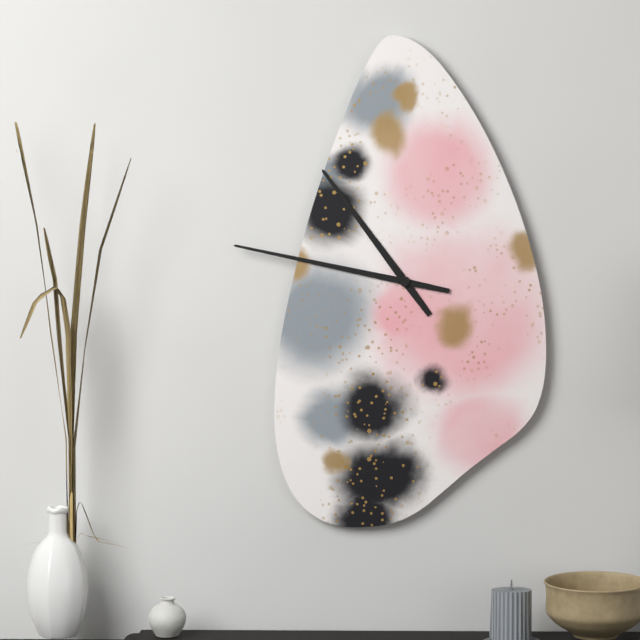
{"hour": 10, "minute": 47}
